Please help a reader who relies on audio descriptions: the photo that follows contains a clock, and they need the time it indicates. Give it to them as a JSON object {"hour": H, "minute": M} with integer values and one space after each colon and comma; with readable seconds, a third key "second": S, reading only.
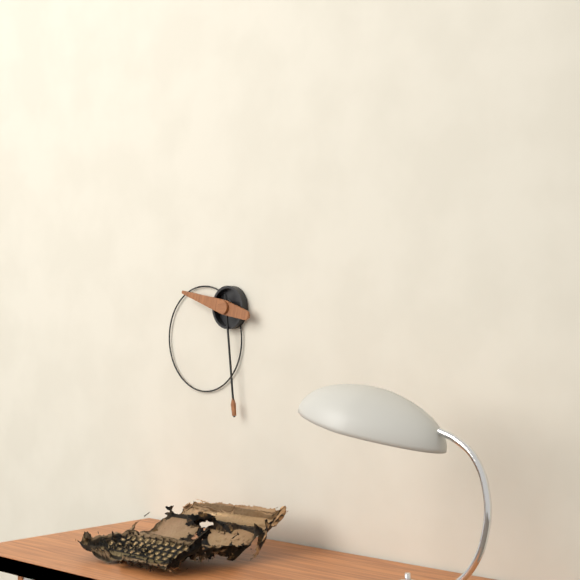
{"hour": 9, "minute": 29}
